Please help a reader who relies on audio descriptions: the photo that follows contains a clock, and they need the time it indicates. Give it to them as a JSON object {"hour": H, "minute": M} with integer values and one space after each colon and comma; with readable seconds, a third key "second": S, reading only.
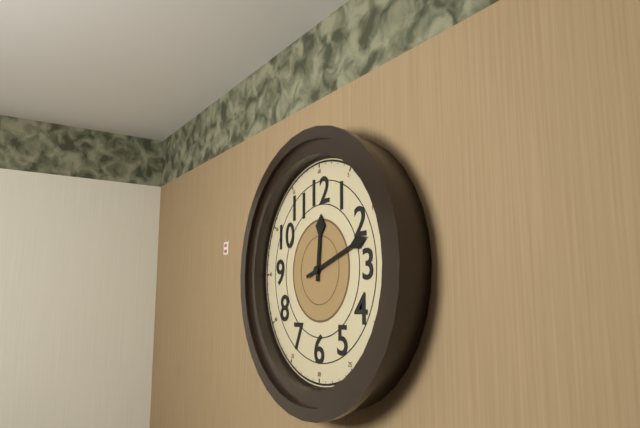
{"hour": 12, "minute": 12}
